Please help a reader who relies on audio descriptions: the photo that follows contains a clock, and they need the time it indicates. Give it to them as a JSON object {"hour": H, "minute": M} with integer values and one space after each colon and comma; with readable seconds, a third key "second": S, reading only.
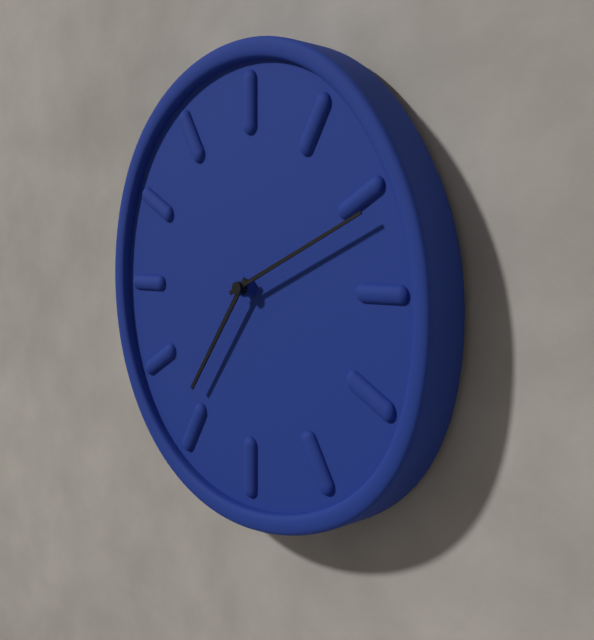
{"hour": 7, "minute": 11}
